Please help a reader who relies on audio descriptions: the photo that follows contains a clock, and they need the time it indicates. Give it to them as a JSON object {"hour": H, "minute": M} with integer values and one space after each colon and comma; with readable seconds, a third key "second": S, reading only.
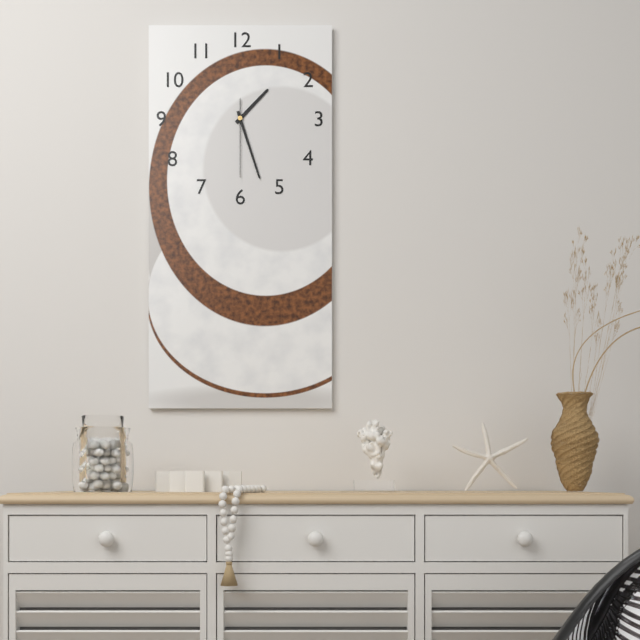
{"hour": 1, "minute": 27, "second": 30}
